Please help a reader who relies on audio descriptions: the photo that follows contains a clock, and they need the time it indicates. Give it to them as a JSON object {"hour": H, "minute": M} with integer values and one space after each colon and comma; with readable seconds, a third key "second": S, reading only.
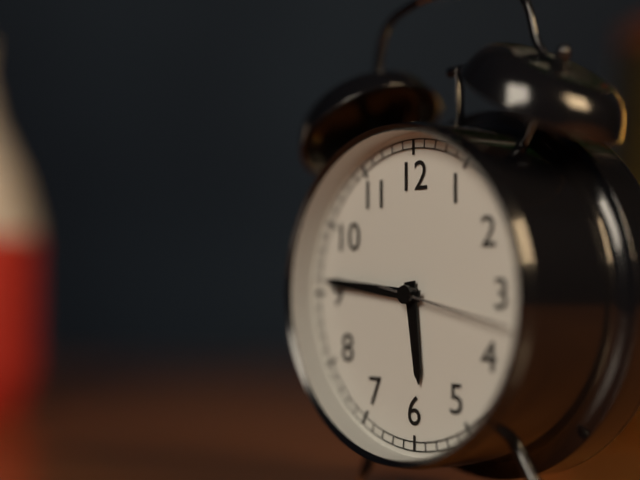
{"hour": 5, "minute": 46, "second": 17}
